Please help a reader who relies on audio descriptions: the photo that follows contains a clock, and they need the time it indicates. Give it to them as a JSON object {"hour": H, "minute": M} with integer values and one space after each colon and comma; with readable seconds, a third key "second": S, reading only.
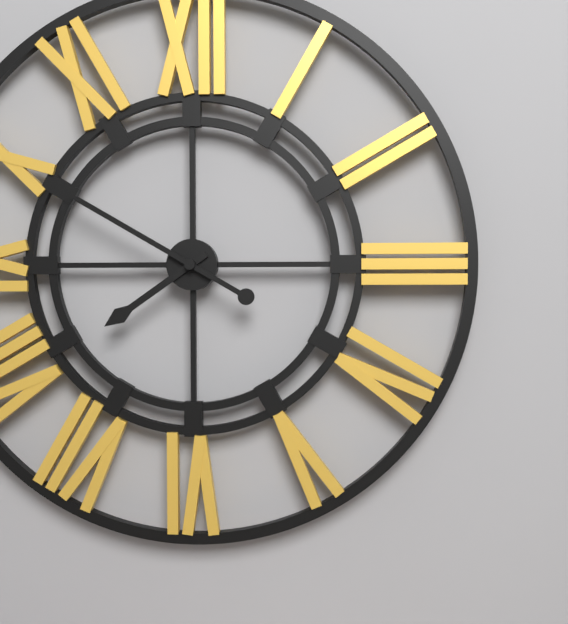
{"hour": 7, "minute": 50}
